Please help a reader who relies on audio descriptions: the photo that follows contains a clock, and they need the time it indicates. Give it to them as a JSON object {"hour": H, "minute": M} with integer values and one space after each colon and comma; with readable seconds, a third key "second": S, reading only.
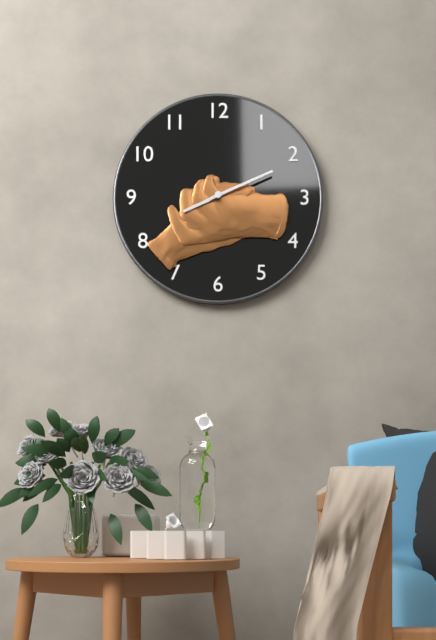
{"hour": 8, "minute": 11}
